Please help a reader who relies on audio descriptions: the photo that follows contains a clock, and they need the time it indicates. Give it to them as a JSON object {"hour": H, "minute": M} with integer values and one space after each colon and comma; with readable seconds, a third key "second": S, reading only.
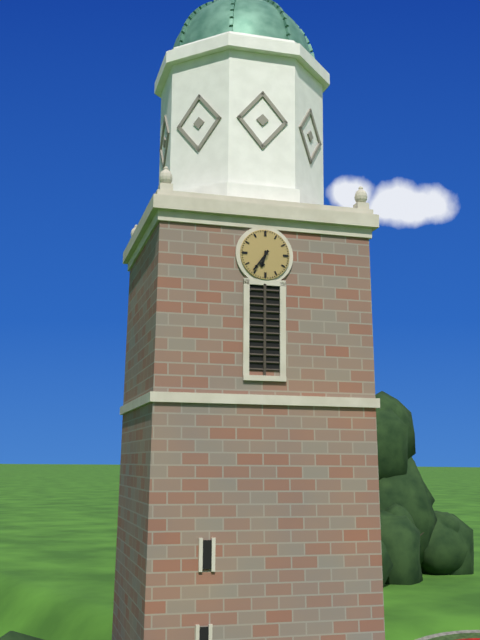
{"hour": 6, "minute": 36}
